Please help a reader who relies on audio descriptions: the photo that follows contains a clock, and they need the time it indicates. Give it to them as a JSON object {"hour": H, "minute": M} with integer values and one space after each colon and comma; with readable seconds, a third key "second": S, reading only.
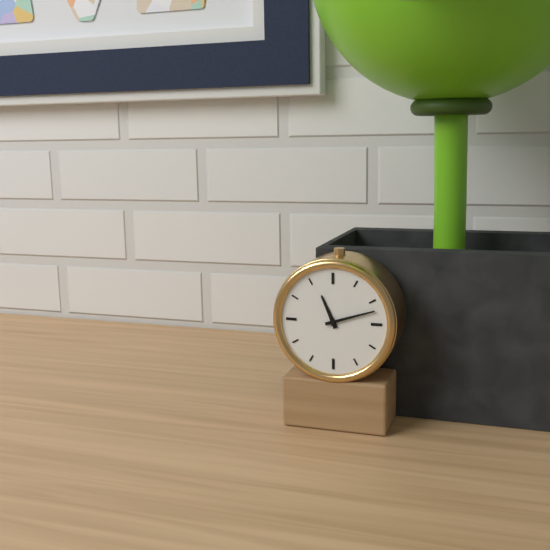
{"hour": 11, "minute": 12}
